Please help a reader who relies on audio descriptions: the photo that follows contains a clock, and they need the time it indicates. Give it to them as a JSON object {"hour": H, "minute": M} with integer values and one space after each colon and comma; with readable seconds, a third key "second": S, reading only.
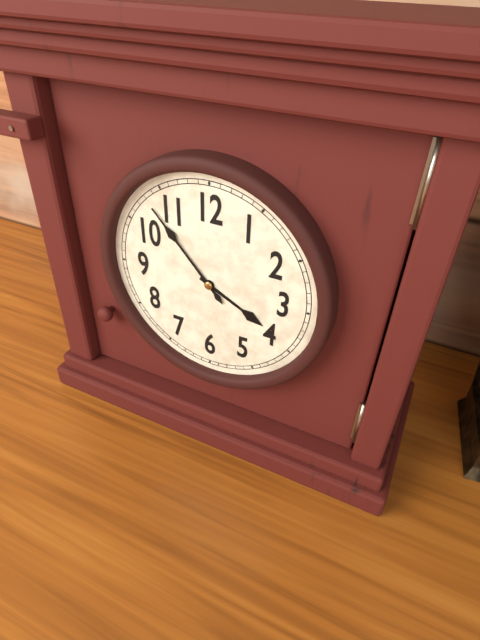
{"hour": 3, "minute": 53}
